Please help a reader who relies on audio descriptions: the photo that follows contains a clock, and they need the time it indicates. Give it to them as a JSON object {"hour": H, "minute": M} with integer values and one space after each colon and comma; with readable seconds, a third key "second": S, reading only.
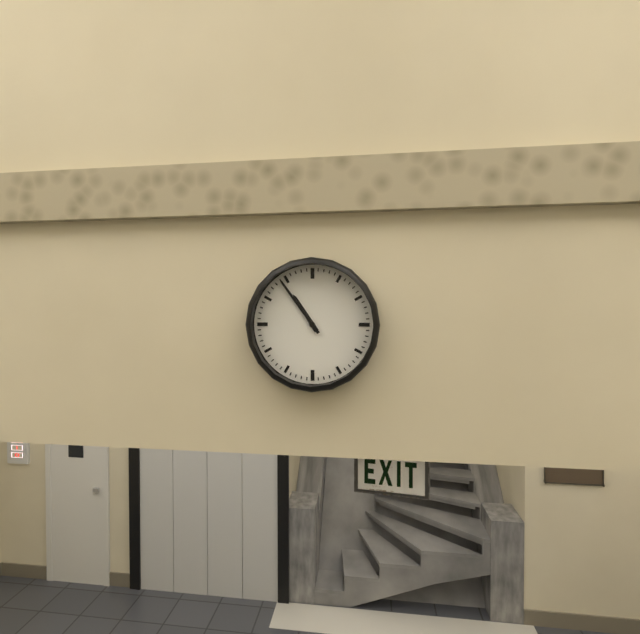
{"hour": 10, "minute": 54}
